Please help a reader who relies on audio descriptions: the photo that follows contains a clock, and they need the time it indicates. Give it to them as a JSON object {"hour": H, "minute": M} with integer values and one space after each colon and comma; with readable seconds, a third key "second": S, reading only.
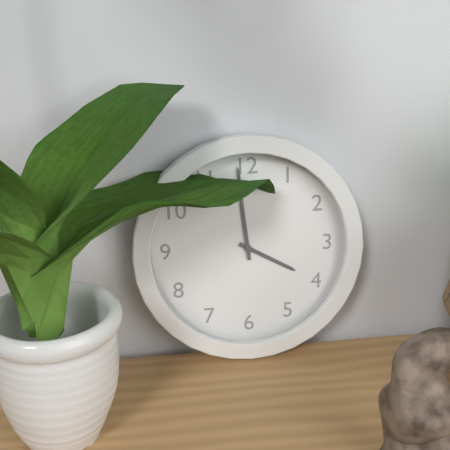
{"hour": 3, "minute": 59}
